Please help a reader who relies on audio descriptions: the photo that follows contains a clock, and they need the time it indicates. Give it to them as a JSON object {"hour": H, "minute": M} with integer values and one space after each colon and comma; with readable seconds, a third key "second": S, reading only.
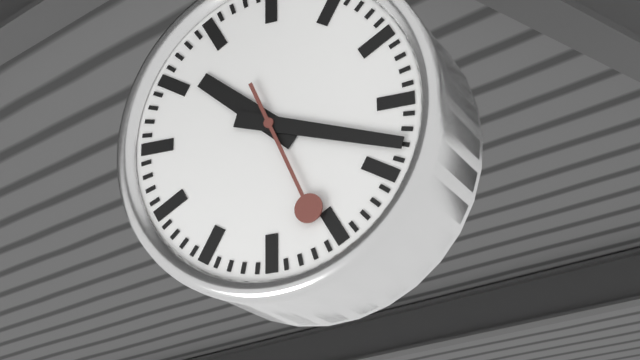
{"hour": 10, "minute": 18, "second": 26}
